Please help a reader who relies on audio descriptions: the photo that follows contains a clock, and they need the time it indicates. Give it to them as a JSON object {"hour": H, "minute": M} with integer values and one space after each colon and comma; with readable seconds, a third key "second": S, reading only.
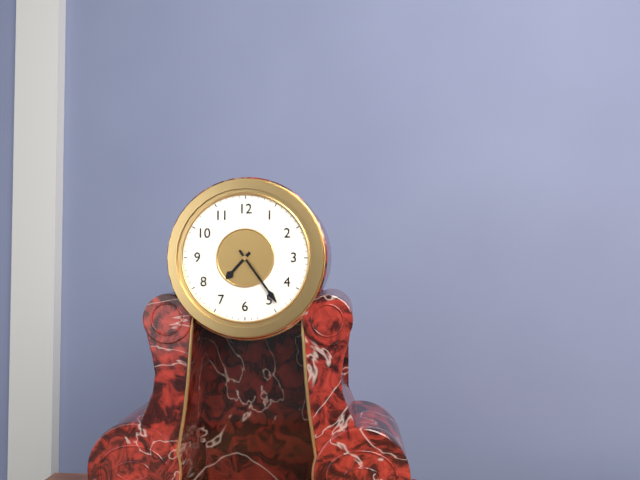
{"hour": 7, "minute": 24}
